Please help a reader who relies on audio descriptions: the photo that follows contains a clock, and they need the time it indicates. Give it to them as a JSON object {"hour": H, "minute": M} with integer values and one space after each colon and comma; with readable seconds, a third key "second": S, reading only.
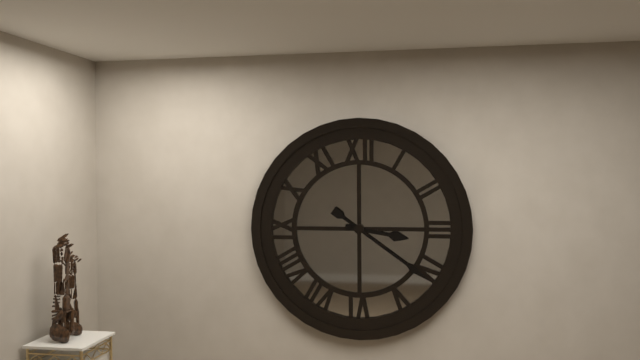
{"hour": 3, "minute": 21}
